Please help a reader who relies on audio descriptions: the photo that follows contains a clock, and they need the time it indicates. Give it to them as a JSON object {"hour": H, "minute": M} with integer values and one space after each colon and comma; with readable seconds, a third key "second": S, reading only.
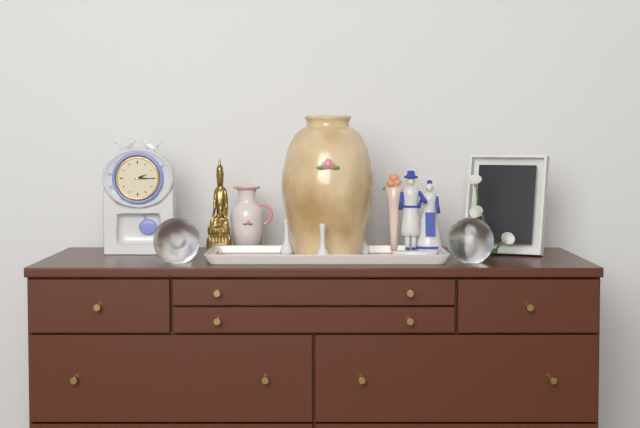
{"hour": 2, "minute": 15}
